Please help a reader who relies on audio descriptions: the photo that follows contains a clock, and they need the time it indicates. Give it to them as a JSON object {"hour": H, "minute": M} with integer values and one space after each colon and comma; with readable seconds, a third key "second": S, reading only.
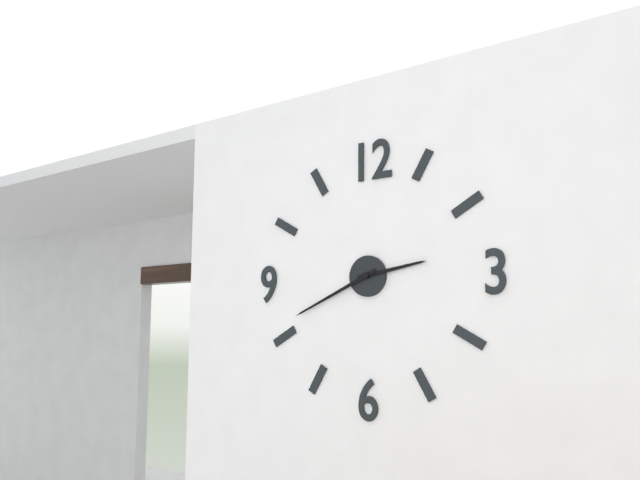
{"hour": 2, "minute": 41}
